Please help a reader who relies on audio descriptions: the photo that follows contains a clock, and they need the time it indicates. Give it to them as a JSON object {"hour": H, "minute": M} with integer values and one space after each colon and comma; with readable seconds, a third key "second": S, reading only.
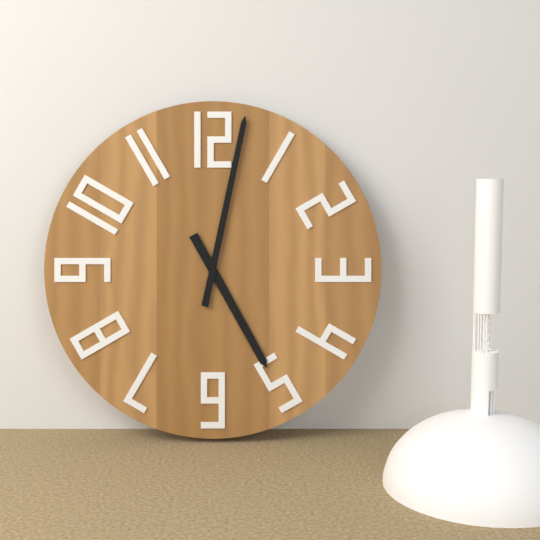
{"hour": 5, "minute": 2}
